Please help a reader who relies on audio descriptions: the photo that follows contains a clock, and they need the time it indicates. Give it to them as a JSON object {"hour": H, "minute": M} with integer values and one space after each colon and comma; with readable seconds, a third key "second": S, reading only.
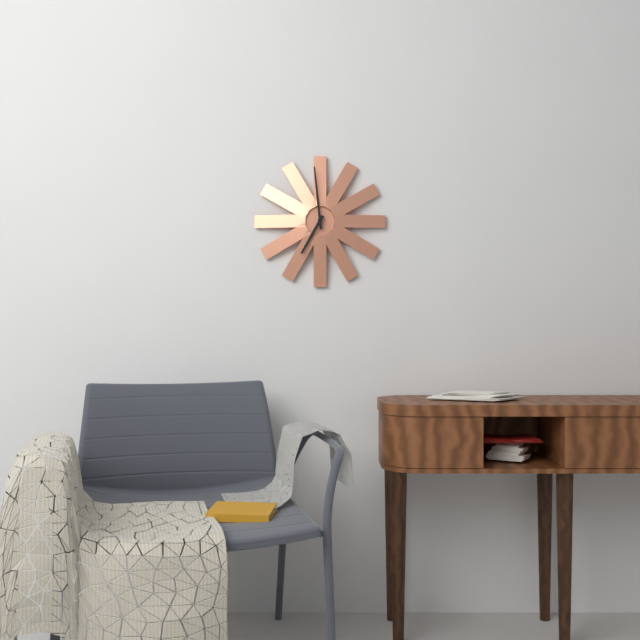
{"hour": 6, "minute": 59}
